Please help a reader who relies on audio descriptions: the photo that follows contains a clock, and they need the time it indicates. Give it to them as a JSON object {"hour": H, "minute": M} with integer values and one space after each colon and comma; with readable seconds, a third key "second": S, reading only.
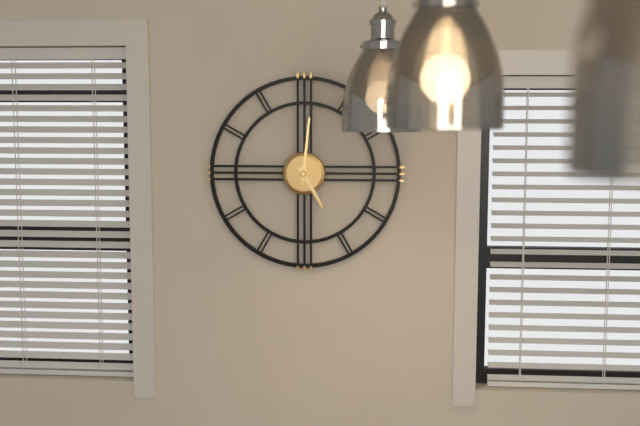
{"hour": 5, "minute": 1}
